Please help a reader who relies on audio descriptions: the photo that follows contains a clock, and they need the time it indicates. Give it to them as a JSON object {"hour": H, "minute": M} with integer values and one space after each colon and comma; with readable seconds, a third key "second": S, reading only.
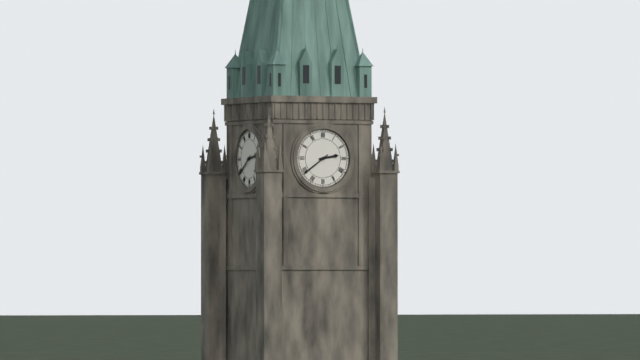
{"hour": 2, "minute": 39}
